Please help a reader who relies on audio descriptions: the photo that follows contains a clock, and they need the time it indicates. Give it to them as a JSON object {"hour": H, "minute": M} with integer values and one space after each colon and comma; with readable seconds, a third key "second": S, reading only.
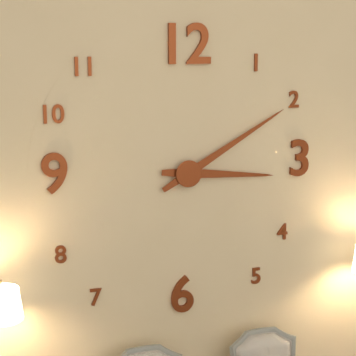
{"hour": 3, "minute": 10}
